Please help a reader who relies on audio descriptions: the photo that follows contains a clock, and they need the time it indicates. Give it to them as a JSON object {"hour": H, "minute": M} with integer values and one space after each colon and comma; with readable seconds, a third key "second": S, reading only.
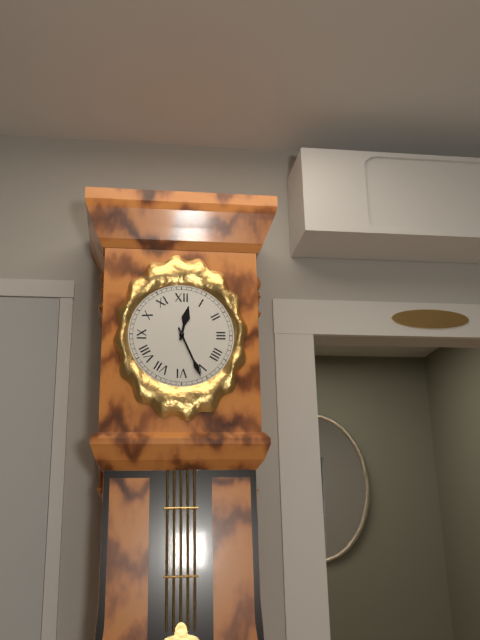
{"hour": 12, "minute": 26}
